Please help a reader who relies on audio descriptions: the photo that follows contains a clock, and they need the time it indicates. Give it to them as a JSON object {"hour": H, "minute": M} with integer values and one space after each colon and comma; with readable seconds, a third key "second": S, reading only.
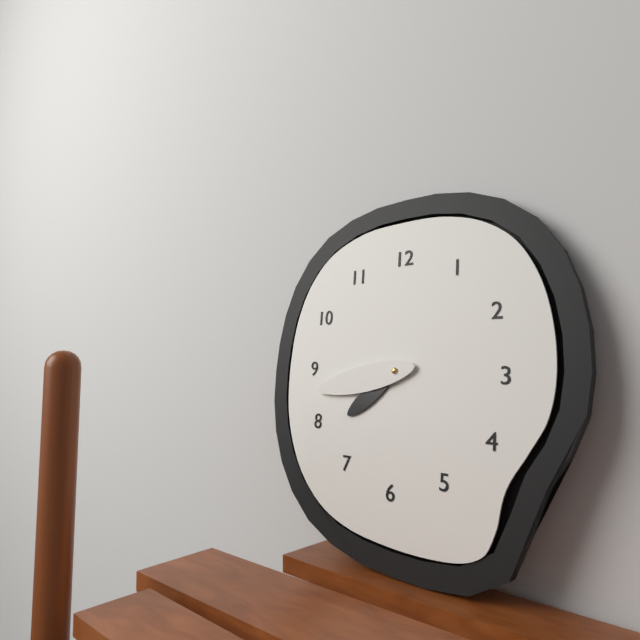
{"hour": 7, "minute": 43}
